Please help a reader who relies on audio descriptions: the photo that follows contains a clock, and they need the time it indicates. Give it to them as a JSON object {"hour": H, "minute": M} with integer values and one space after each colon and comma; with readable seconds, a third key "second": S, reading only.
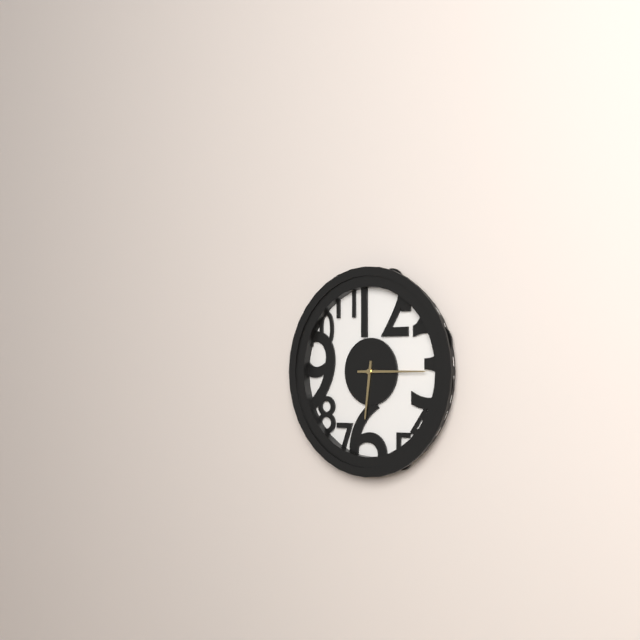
{"hour": 6, "minute": 15}
